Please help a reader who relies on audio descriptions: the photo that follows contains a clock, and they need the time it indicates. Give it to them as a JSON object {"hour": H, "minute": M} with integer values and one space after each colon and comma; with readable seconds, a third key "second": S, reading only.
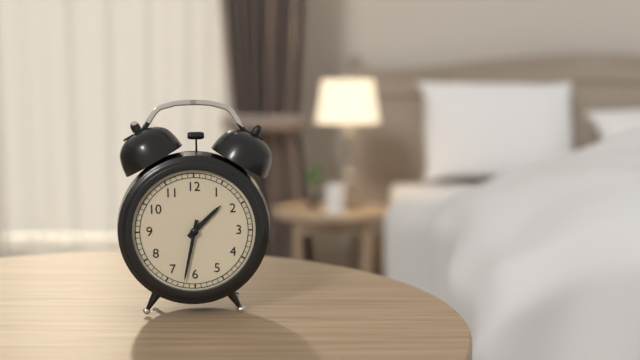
{"hour": 1, "minute": 32}
